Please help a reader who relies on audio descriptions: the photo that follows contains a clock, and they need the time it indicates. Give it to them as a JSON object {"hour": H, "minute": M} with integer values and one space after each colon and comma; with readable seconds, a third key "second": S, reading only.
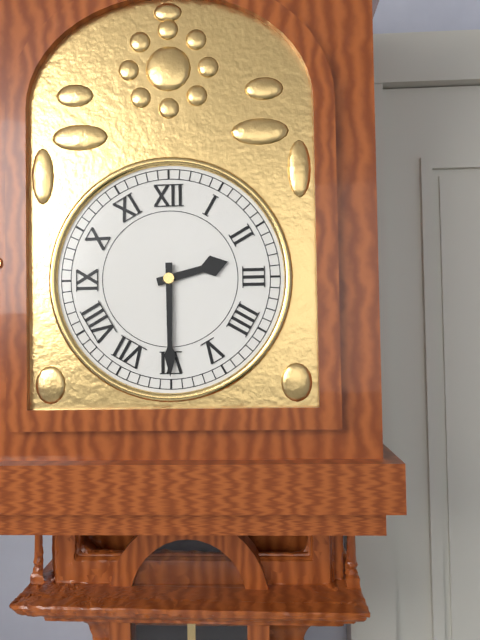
{"hour": 2, "minute": 30}
